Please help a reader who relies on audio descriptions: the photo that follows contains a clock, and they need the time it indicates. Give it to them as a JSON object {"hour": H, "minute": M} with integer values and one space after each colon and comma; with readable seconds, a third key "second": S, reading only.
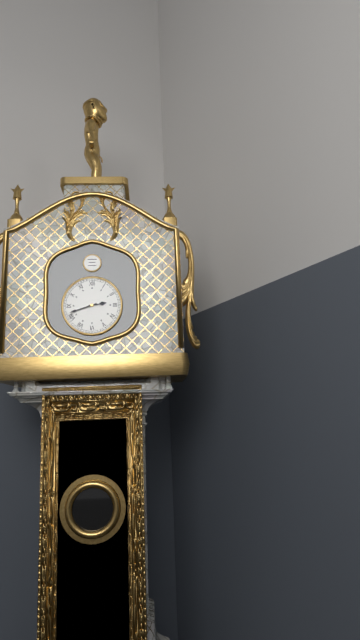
{"hour": 2, "minute": 42}
